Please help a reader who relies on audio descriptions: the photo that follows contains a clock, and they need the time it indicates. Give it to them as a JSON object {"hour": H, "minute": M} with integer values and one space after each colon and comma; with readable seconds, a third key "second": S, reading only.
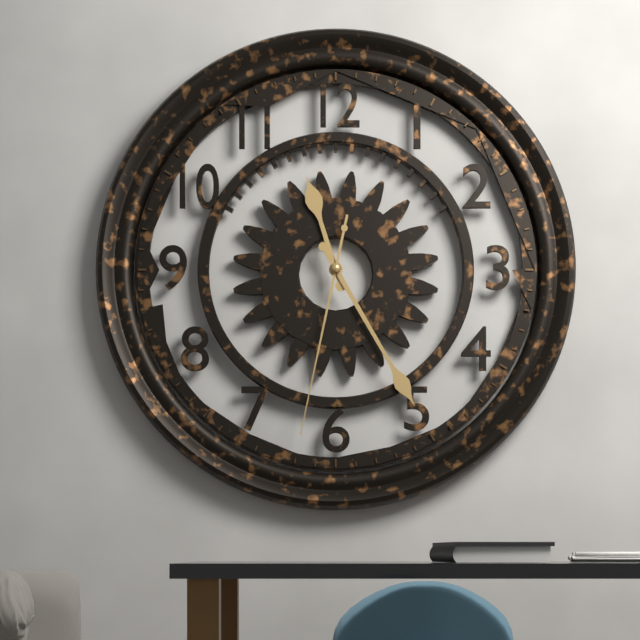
{"hour": 11, "minute": 25, "second": 32}
